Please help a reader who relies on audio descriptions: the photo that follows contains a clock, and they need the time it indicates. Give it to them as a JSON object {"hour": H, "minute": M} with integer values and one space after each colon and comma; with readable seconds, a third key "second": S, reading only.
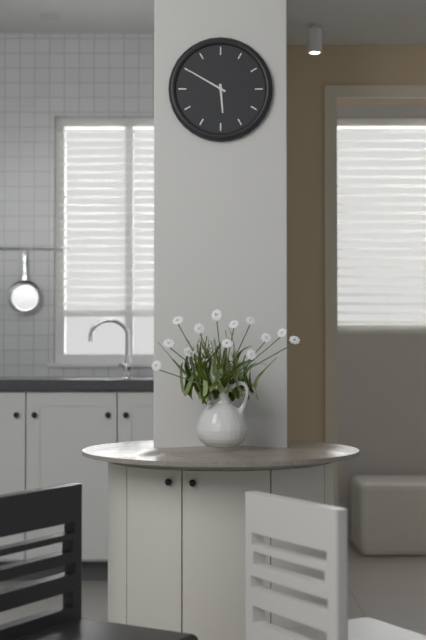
{"hour": 5, "minute": 50}
